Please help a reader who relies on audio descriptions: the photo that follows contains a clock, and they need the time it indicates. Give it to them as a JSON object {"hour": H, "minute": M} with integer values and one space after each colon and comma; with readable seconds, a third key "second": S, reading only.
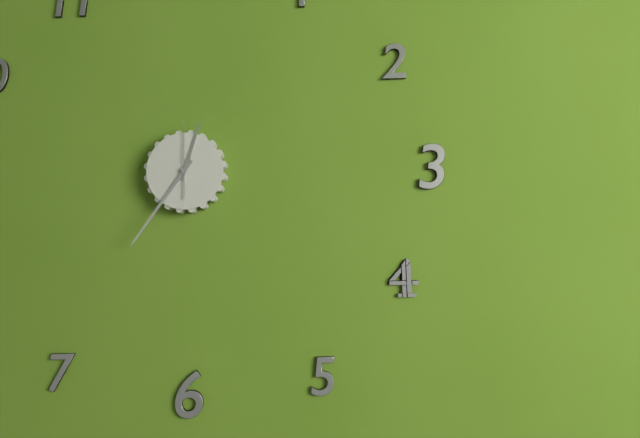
{"hour": 12, "minute": 36, "second": 0}
